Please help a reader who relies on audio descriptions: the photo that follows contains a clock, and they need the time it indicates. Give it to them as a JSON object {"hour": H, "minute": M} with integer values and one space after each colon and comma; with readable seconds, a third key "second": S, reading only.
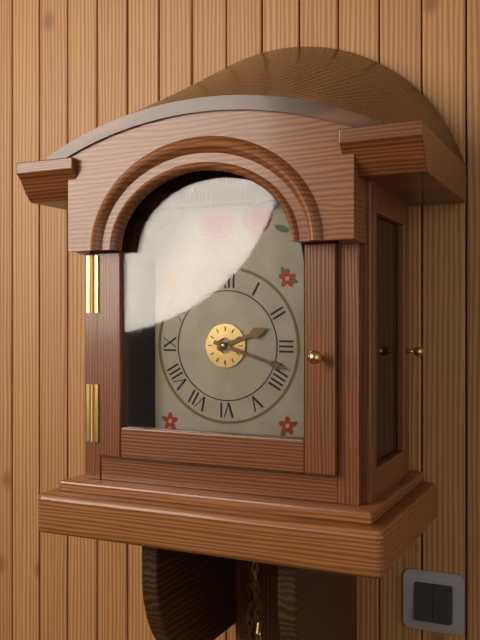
{"hour": 2, "minute": 18}
